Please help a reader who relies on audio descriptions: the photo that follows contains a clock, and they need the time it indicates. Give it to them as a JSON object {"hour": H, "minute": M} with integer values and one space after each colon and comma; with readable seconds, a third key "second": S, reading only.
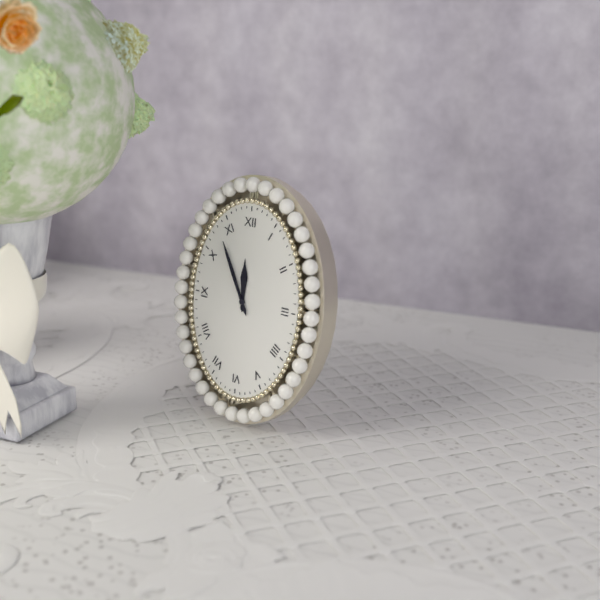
{"hour": 11, "minute": 55}
